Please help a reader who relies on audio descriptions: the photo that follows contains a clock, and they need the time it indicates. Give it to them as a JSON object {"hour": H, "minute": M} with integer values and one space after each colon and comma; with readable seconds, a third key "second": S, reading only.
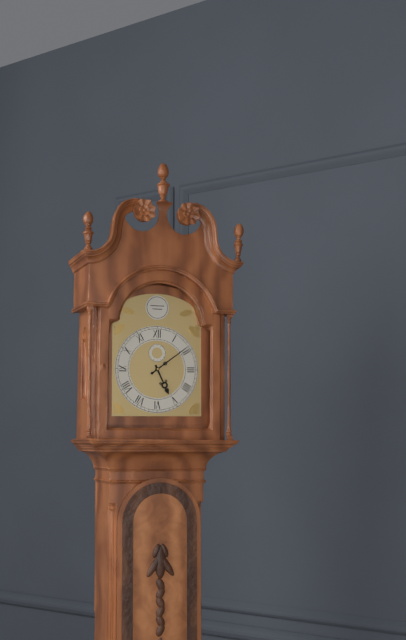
{"hour": 5, "minute": 9}
